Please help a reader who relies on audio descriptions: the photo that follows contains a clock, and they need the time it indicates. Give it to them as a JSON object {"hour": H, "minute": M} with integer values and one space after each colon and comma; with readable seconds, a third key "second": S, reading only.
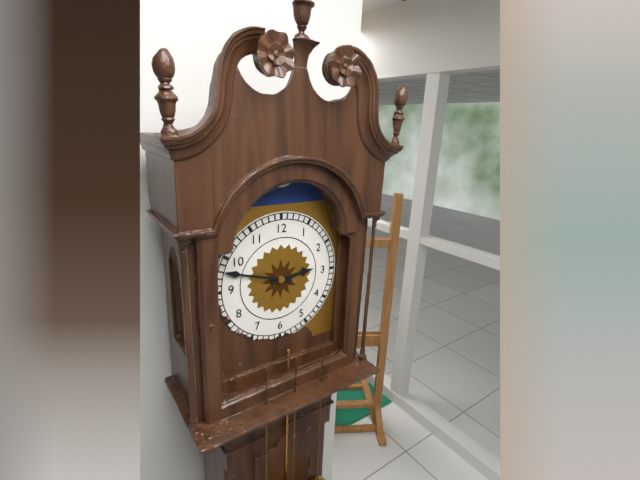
{"hour": 2, "minute": 48}
